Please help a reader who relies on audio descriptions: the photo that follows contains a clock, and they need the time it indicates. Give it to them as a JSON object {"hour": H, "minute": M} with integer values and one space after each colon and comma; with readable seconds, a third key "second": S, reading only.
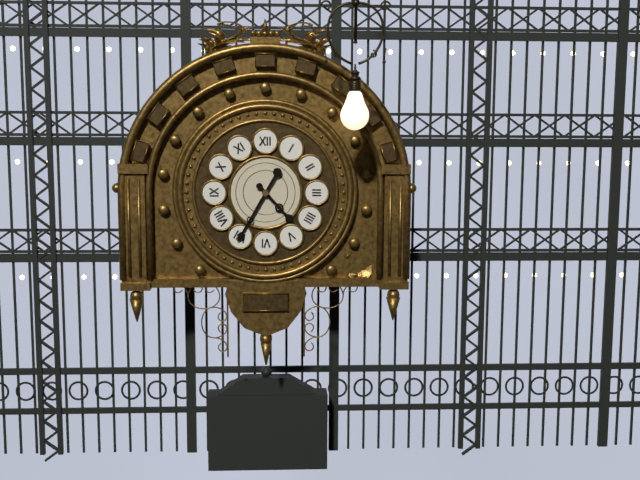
{"hour": 4, "minute": 35}
